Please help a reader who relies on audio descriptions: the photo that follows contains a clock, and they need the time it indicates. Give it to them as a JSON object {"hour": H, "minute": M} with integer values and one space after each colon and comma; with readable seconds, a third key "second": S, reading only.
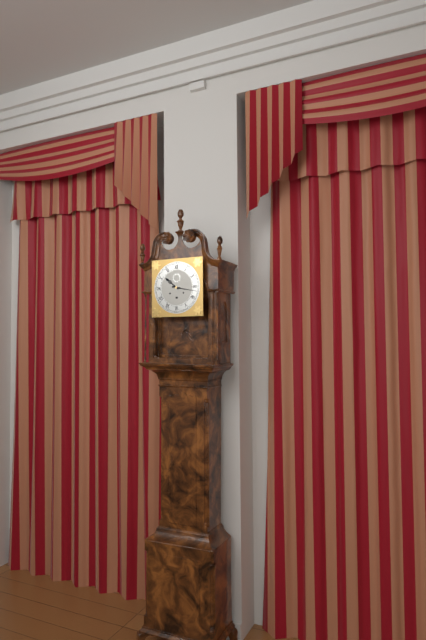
{"hour": 10, "minute": 17}
